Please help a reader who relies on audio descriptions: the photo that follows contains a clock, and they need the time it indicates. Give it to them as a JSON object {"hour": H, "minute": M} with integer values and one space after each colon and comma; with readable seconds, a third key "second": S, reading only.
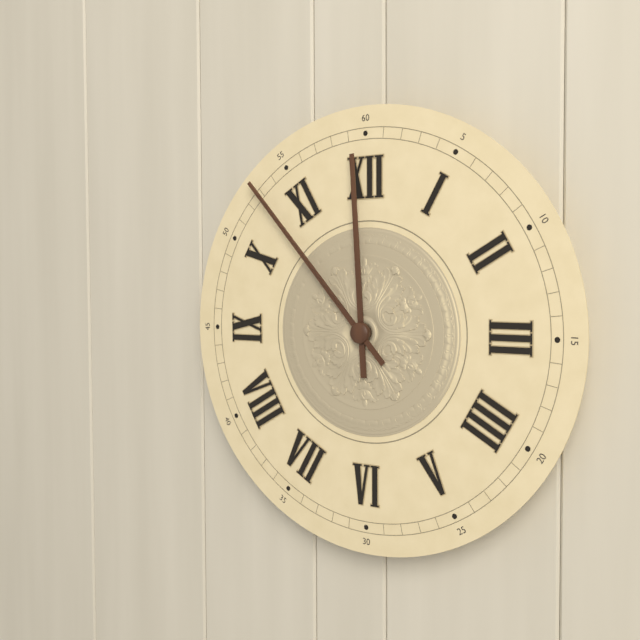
{"hour": 11, "minute": 53}
